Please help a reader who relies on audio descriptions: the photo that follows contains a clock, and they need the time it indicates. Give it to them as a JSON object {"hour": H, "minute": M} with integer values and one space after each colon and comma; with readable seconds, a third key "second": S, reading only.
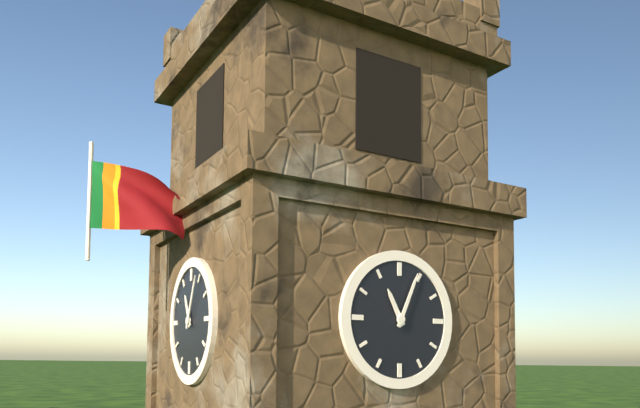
{"hour": 11, "minute": 4}
